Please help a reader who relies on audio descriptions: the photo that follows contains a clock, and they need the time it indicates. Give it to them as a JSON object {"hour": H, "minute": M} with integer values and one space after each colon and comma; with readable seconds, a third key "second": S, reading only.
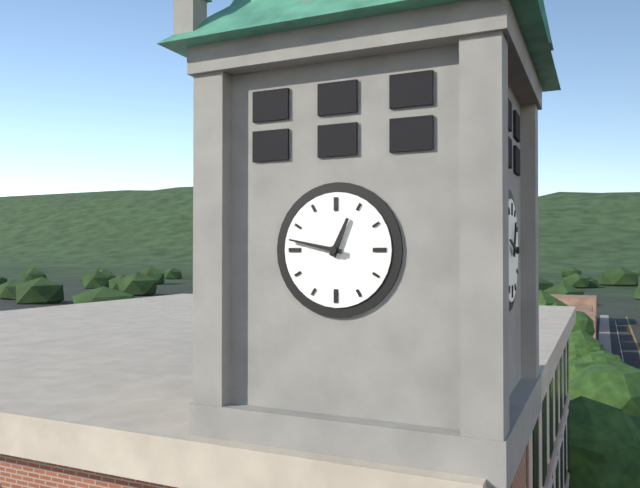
{"hour": 12, "minute": 47}
